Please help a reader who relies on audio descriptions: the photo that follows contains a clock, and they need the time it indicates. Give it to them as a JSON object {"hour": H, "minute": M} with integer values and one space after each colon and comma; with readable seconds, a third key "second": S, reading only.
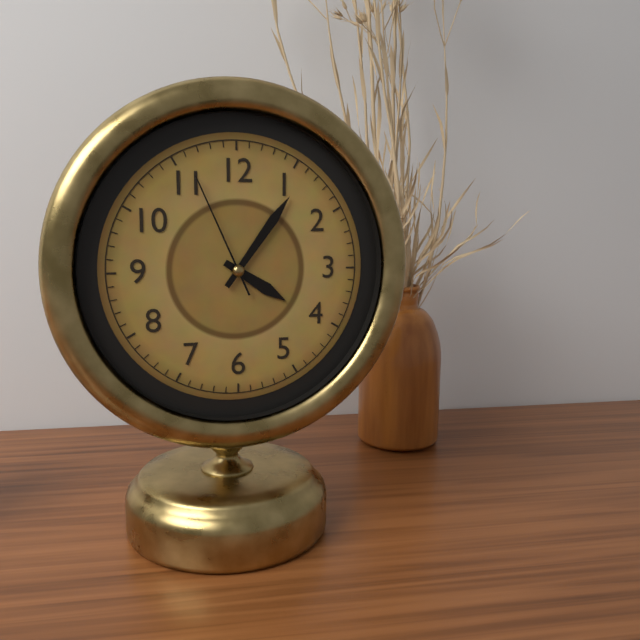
{"hour": 4, "minute": 6, "second": 56}
